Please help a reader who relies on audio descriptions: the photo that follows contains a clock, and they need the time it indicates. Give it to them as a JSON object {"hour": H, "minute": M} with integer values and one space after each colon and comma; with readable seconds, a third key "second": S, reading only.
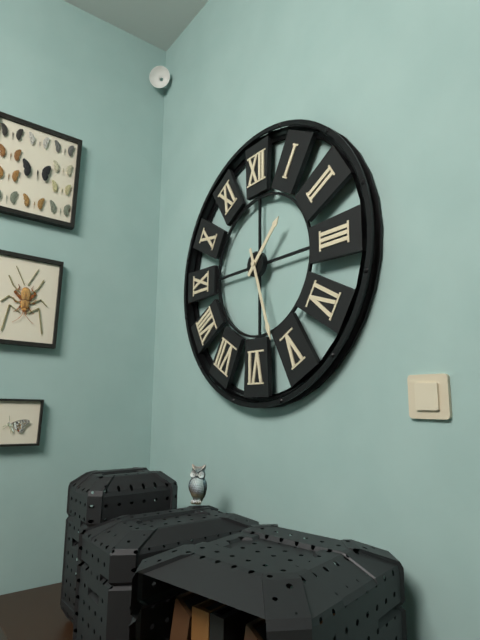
{"hour": 1, "minute": 27}
